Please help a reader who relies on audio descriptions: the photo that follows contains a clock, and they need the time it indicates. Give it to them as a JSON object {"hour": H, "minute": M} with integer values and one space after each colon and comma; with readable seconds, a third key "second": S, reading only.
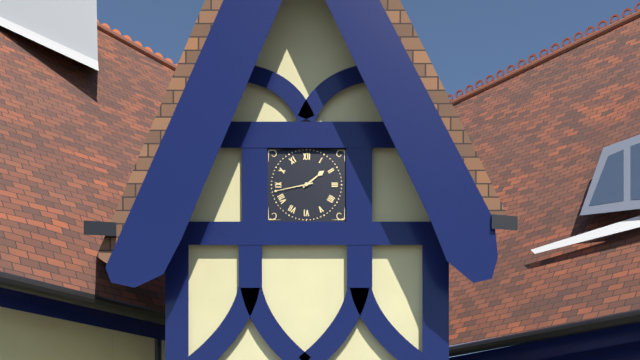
{"hour": 1, "minute": 43}
